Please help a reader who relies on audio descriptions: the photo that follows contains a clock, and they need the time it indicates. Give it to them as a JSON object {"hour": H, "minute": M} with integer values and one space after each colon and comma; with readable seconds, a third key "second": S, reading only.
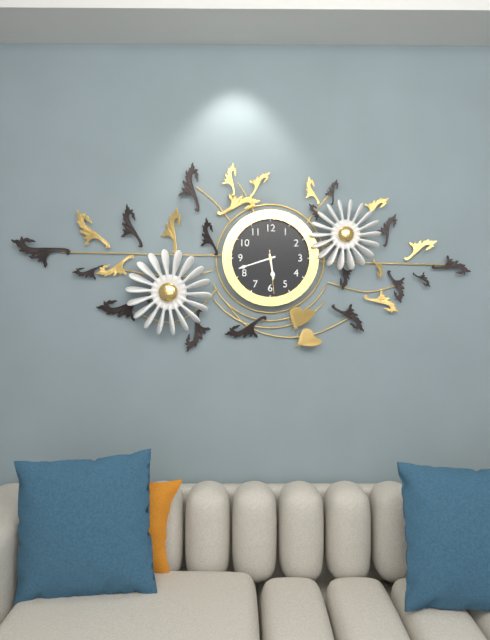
{"hour": 5, "minute": 42}
